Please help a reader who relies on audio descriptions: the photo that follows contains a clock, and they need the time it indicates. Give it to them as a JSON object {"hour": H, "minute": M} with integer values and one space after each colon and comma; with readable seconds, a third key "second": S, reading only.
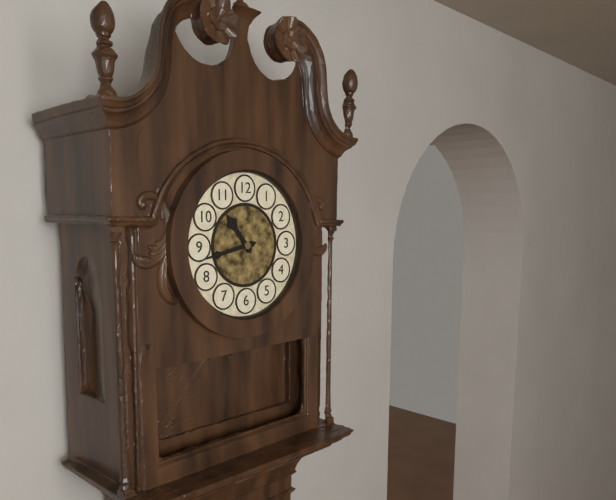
{"hour": 10, "minute": 43}
